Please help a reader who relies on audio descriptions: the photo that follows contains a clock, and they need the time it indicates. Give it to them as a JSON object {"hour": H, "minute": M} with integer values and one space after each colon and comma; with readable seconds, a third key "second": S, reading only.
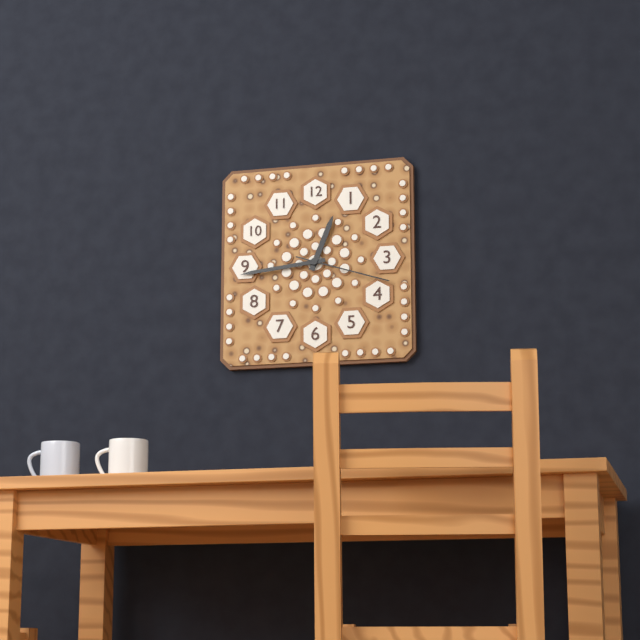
{"hour": 12, "minute": 44, "second": 18}
